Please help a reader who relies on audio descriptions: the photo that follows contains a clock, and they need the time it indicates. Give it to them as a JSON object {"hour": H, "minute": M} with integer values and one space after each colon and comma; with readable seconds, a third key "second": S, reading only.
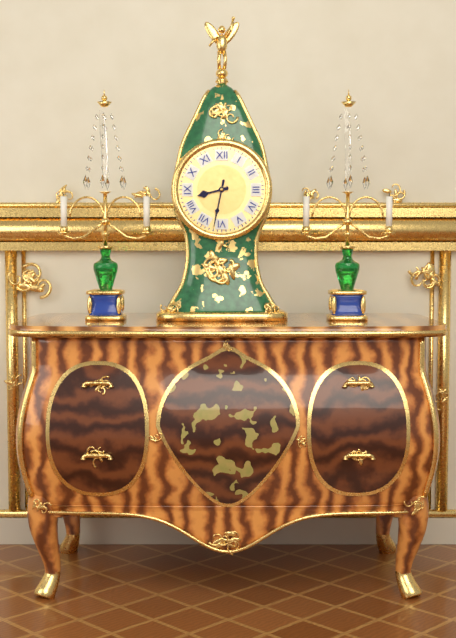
{"hour": 8, "minute": 32}
